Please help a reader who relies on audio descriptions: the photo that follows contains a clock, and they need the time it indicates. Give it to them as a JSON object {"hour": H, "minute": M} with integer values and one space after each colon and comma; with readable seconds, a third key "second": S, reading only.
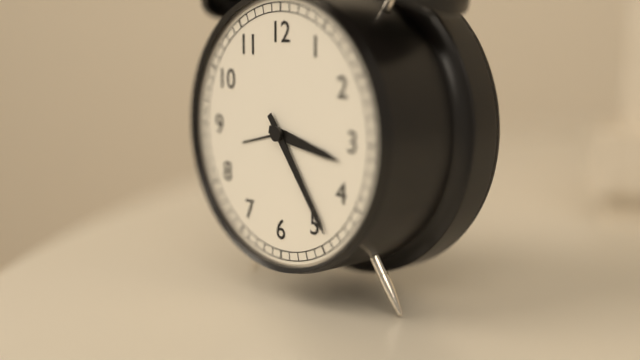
{"hour": 3, "minute": 24}
